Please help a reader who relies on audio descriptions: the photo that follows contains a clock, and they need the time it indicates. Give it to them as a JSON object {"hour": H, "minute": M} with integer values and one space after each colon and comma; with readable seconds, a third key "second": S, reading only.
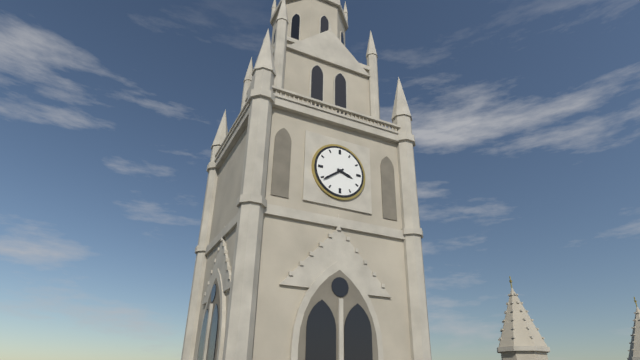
{"hour": 3, "minute": 39}
